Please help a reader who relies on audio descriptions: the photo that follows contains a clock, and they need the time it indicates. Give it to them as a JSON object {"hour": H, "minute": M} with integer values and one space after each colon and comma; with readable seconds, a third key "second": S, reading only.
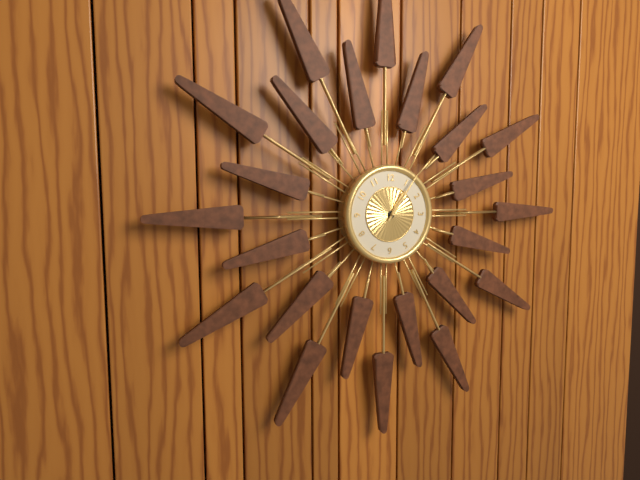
{"hour": 1, "minute": 6}
